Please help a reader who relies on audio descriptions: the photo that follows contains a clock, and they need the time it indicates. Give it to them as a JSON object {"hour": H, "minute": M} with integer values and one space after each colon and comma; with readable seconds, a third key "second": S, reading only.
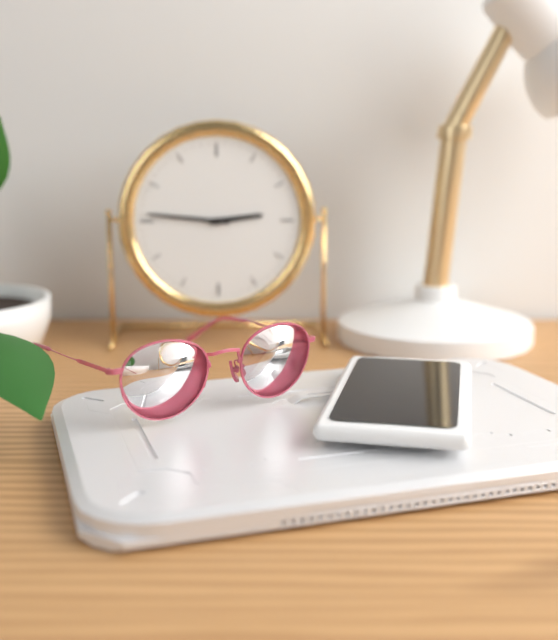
{"hour": 2, "minute": 46}
